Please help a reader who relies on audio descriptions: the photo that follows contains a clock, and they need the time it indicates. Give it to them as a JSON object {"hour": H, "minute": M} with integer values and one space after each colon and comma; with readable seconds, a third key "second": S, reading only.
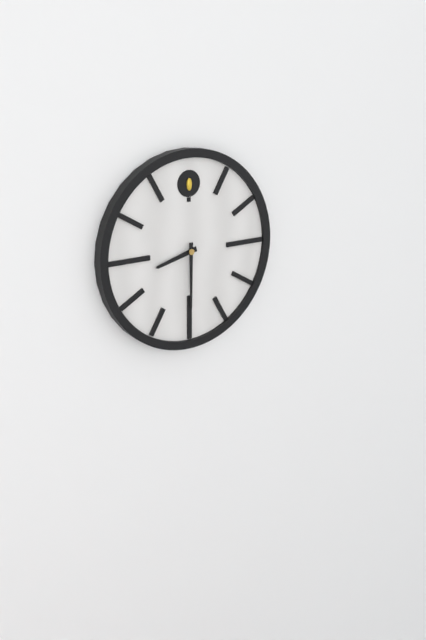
{"hour": 8, "minute": 30}
